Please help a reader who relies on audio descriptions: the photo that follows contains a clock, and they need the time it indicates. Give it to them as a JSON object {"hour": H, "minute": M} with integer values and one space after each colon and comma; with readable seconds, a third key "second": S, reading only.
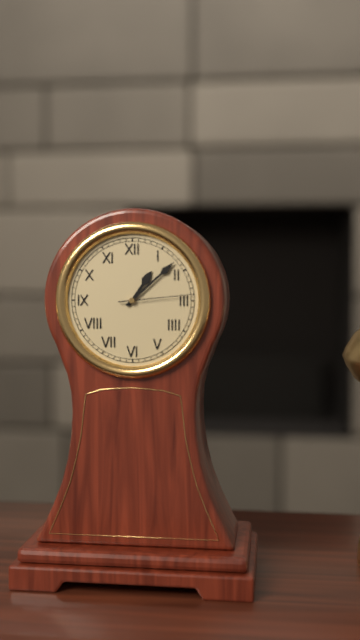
{"hour": 1, "minute": 8, "second": 14}
